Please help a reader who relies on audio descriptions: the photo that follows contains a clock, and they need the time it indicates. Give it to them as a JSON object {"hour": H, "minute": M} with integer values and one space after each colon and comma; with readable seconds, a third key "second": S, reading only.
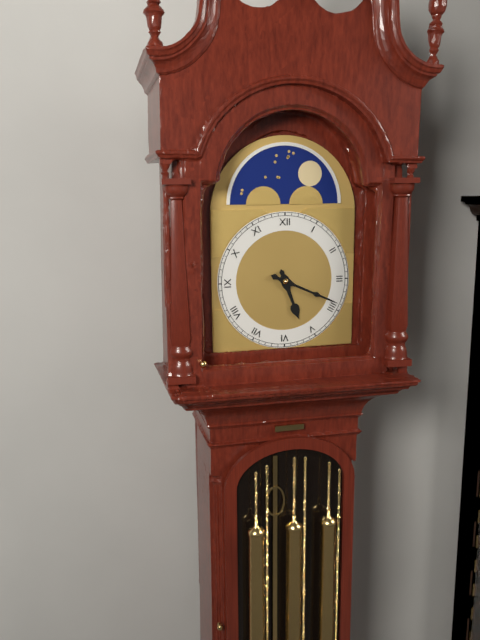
{"hour": 5, "minute": 19}
